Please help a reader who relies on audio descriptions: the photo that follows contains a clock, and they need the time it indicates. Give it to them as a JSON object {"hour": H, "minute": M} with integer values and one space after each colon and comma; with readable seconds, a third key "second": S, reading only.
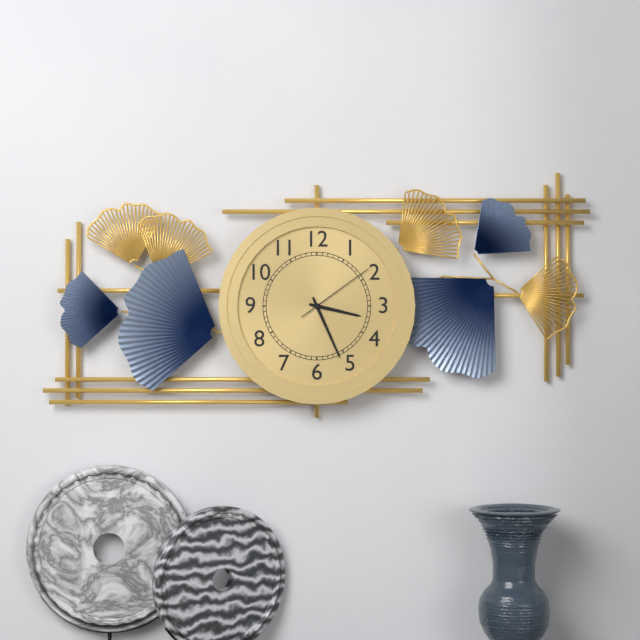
{"hour": 3, "minute": 26, "second": 9}
